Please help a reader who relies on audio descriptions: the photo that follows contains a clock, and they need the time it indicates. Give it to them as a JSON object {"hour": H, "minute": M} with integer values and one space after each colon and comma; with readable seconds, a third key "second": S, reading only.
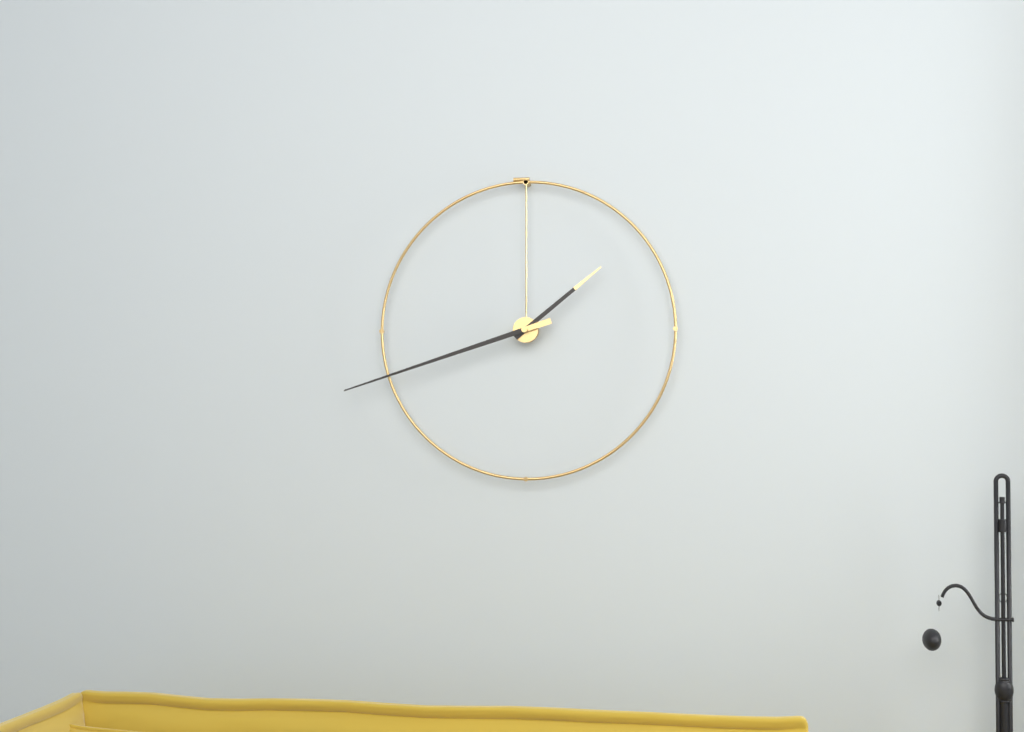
{"hour": 1, "minute": 42}
